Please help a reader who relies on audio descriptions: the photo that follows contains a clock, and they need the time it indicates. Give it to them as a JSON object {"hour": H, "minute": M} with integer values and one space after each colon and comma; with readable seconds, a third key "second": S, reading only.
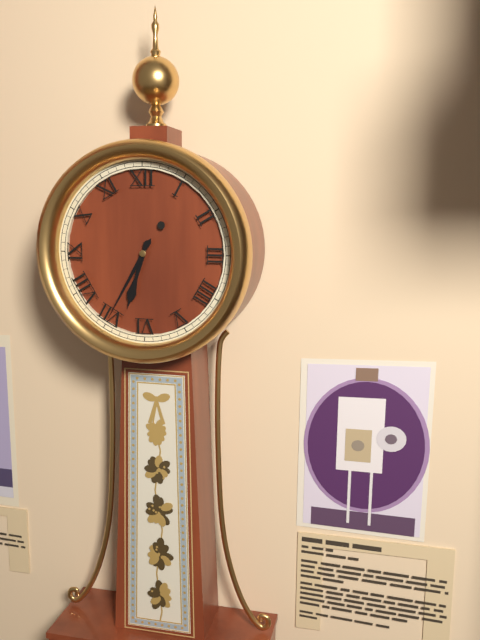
{"hour": 6, "minute": 35}
